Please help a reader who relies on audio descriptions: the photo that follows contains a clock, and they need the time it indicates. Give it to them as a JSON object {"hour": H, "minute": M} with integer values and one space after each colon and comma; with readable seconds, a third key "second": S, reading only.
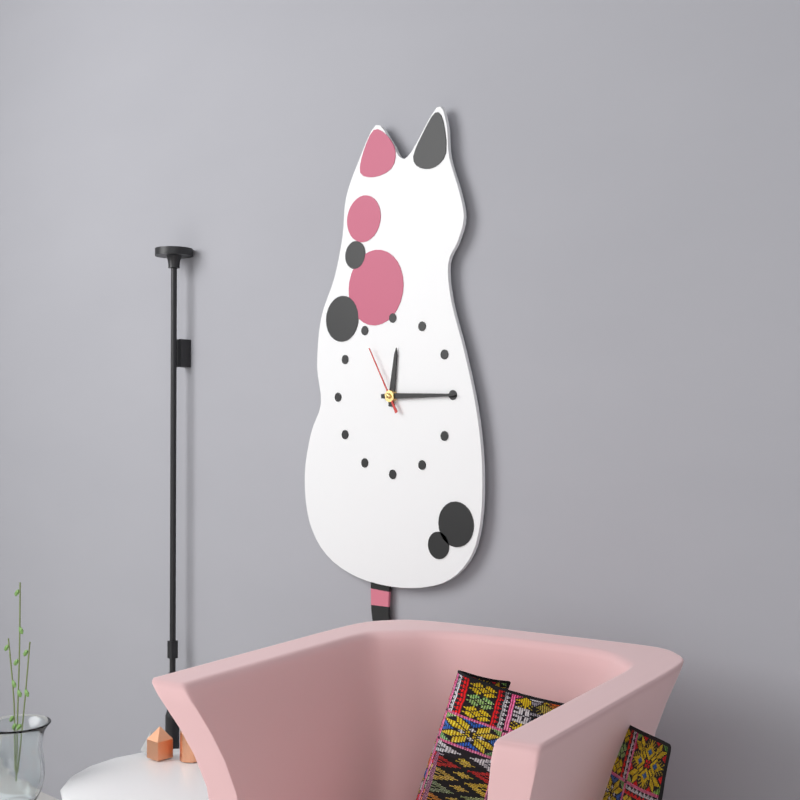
{"hour": 12, "minute": 15, "second": 55}
